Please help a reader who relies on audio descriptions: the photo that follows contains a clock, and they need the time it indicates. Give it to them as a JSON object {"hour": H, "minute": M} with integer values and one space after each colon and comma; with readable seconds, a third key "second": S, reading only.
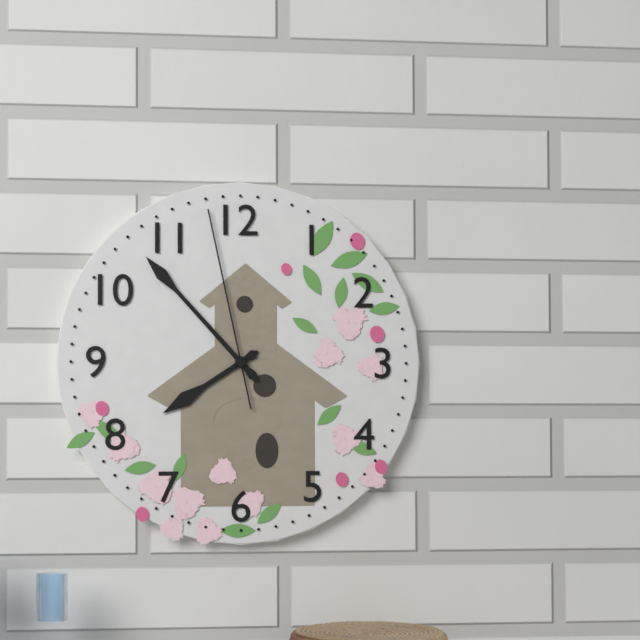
{"hour": 7, "minute": 53, "second": 58}
